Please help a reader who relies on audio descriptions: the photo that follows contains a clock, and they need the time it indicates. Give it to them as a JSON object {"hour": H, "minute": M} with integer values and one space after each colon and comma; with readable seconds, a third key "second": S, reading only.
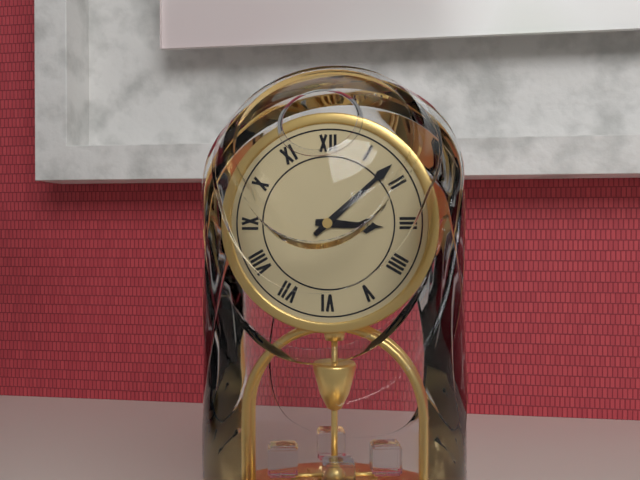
{"hour": 3, "minute": 8}
